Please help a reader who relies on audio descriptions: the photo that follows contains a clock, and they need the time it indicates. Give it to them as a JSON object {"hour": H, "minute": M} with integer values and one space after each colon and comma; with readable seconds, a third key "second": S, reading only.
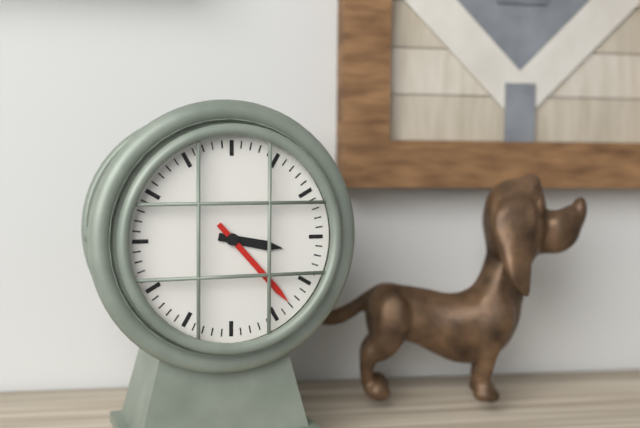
{"hour": 3, "minute": 23}
